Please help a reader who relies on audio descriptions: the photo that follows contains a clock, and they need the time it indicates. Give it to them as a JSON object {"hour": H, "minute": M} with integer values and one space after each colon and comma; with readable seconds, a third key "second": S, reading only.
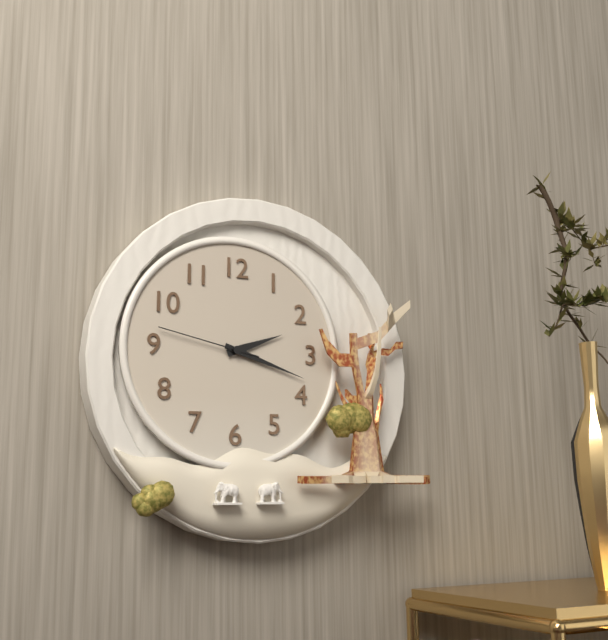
{"hour": 2, "minute": 18, "second": 47}
